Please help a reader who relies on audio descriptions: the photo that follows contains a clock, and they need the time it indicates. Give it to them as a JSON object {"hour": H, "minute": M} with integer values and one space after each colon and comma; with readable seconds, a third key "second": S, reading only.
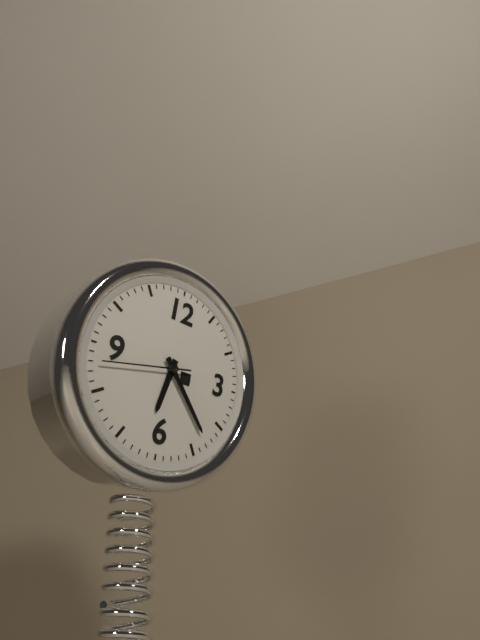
{"hour": 6, "minute": 23, "second": 43}
